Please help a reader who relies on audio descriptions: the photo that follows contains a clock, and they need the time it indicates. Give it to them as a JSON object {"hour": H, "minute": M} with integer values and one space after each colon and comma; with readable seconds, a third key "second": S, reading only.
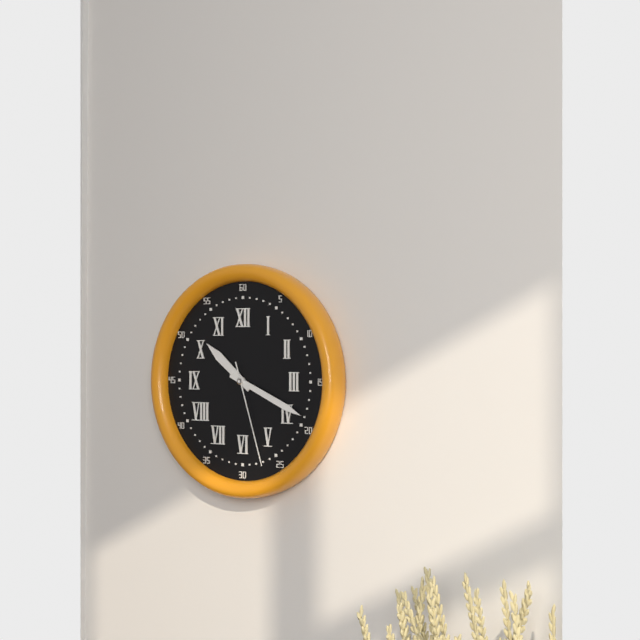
{"hour": 10, "minute": 19, "second": 27}
